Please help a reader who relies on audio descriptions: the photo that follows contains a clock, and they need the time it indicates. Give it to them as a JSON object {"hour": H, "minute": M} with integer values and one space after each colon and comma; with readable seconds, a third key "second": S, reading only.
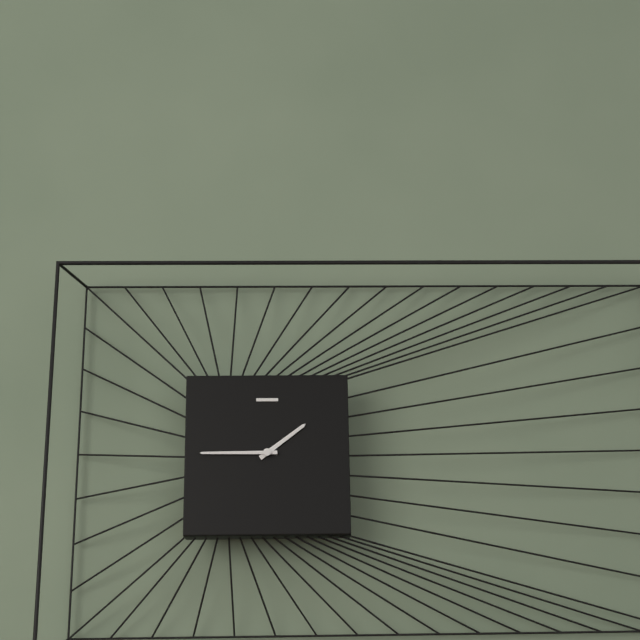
{"hour": 1, "minute": 45}
